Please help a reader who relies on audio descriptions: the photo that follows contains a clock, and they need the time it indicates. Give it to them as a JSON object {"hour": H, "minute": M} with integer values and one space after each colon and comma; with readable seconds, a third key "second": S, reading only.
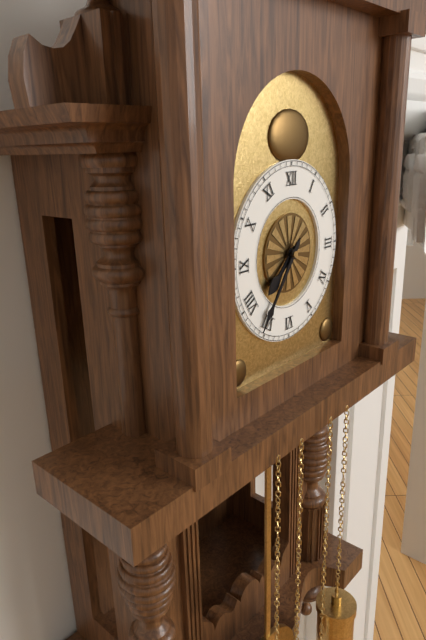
{"hour": 7, "minute": 36}
